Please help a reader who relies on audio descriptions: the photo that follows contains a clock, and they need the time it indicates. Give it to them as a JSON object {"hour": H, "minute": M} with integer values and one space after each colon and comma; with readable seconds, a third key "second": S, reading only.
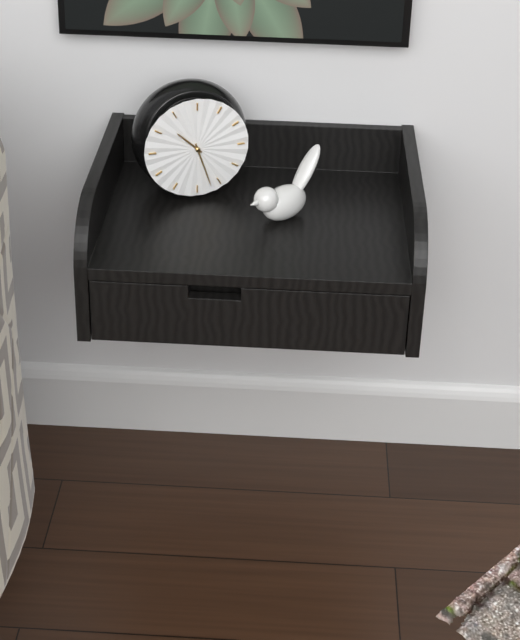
{"hour": 10, "minute": 27}
